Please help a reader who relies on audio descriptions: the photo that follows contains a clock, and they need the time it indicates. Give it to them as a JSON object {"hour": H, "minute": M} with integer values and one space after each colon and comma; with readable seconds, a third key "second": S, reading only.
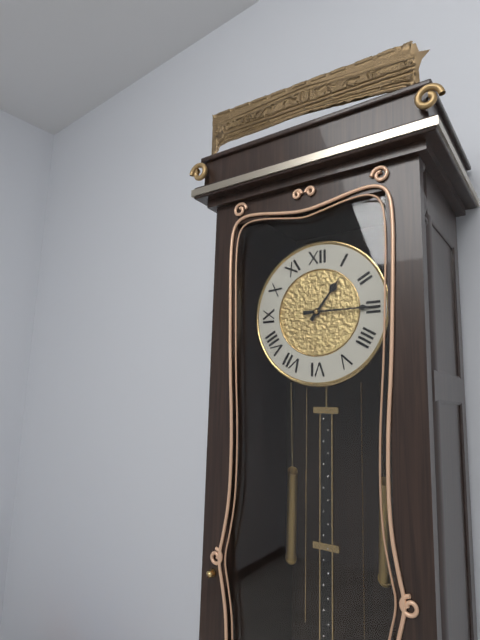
{"hour": 1, "minute": 15}
